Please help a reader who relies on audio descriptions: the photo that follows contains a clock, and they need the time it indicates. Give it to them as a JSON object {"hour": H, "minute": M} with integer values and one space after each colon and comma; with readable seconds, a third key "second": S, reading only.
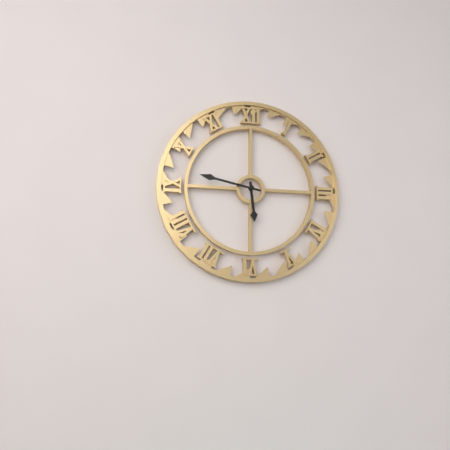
{"hour": 5, "minute": 47}
